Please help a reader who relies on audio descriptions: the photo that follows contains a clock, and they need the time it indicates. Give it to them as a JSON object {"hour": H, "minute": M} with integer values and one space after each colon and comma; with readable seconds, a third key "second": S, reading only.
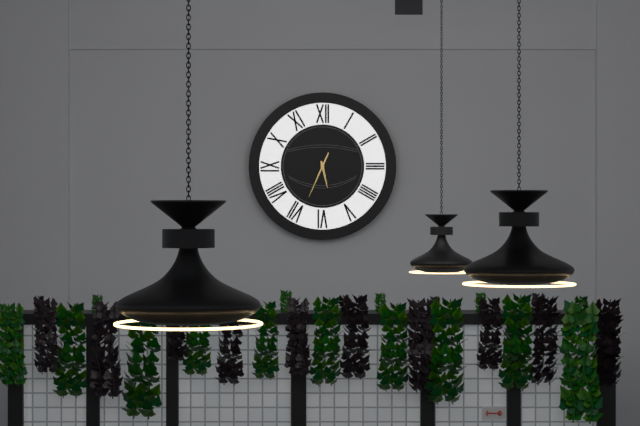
{"hour": 5, "minute": 34}
